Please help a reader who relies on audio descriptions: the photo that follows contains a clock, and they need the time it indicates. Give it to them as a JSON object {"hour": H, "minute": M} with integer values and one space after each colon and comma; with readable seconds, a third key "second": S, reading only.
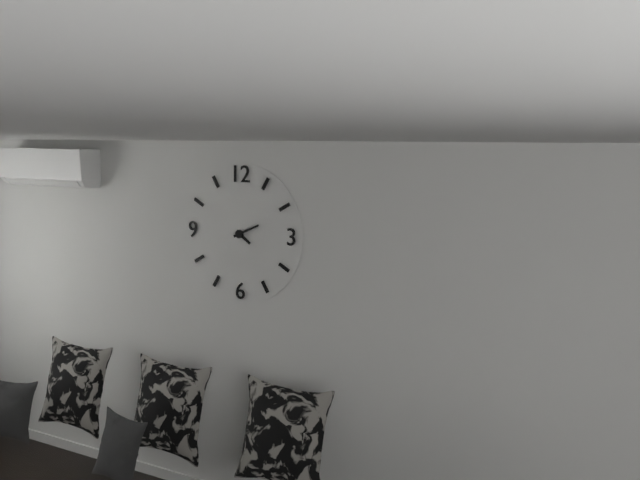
{"hour": 4, "minute": 11}
